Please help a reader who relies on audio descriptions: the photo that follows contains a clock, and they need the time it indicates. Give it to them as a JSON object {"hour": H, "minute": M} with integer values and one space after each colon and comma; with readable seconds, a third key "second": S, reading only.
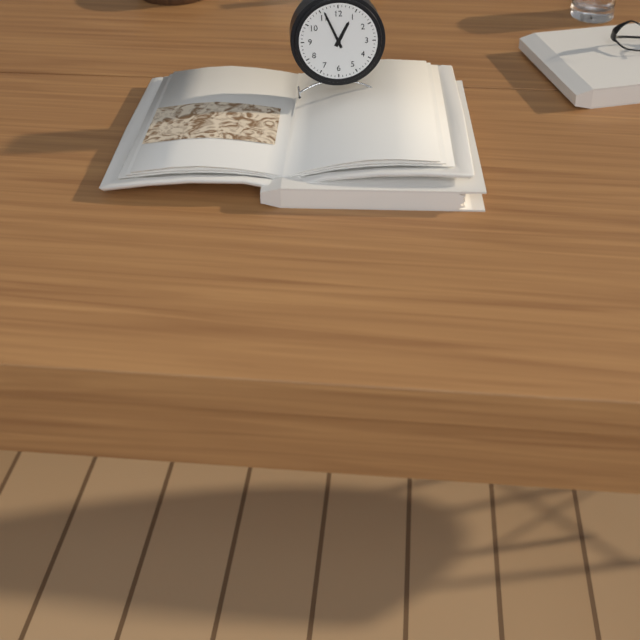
{"hour": 12, "minute": 56}
